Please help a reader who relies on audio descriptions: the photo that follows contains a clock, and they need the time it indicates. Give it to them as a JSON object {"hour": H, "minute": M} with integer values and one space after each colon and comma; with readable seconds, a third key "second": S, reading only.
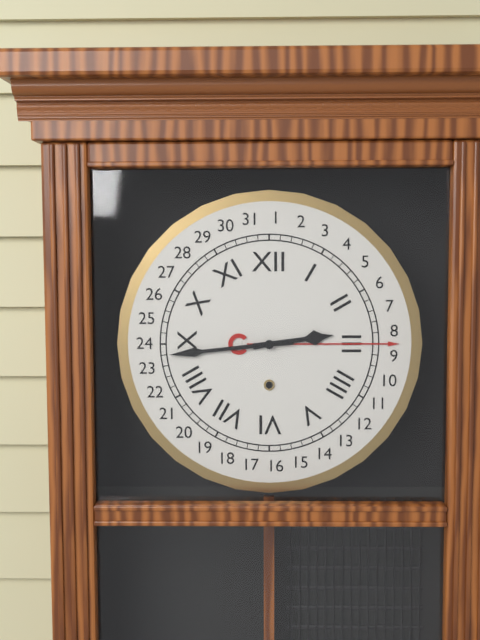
{"hour": 2, "minute": 44}
